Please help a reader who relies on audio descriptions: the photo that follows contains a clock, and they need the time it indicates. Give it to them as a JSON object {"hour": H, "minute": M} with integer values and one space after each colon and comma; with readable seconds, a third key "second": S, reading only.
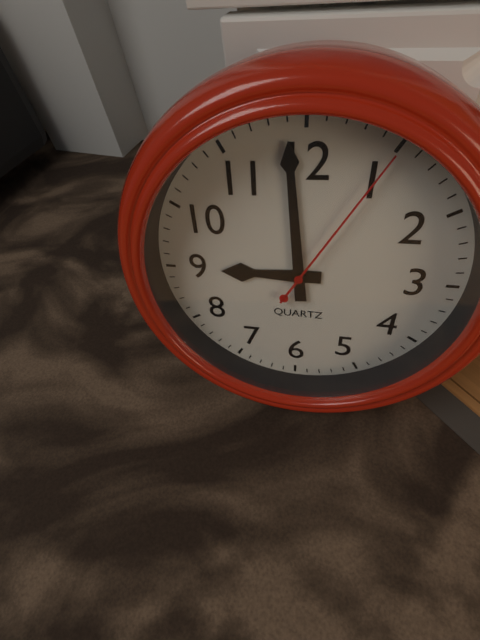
{"hour": 8, "minute": 59, "second": 5}
